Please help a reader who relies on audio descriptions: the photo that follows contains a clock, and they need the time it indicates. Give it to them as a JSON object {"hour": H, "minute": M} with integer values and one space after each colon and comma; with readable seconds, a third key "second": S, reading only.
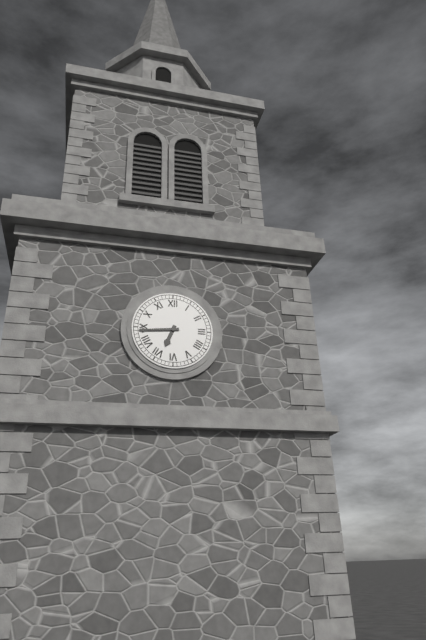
{"hour": 6, "minute": 44}
